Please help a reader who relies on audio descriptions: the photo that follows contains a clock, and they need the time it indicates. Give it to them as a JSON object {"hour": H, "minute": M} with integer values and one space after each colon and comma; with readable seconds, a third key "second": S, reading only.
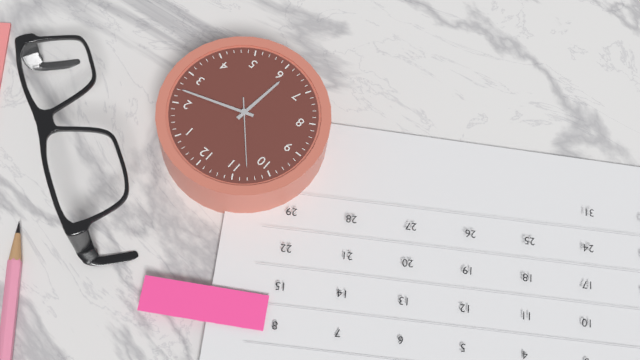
{"hour": 6, "minute": 12}
